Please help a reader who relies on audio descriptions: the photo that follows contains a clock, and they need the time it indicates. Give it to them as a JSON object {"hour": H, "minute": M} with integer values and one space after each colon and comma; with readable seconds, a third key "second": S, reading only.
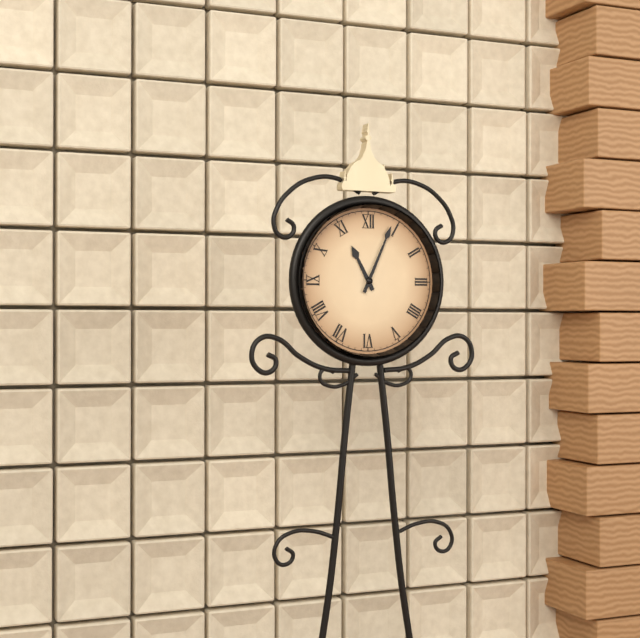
{"hour": 11, "minute": 4}
